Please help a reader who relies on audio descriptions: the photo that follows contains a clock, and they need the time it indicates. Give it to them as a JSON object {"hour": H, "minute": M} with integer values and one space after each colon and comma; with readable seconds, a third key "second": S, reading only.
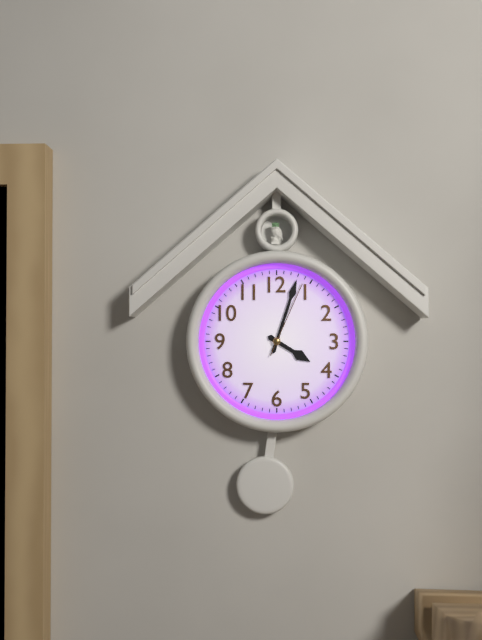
{"hour": 4, "minute": 3, "second": 4}
